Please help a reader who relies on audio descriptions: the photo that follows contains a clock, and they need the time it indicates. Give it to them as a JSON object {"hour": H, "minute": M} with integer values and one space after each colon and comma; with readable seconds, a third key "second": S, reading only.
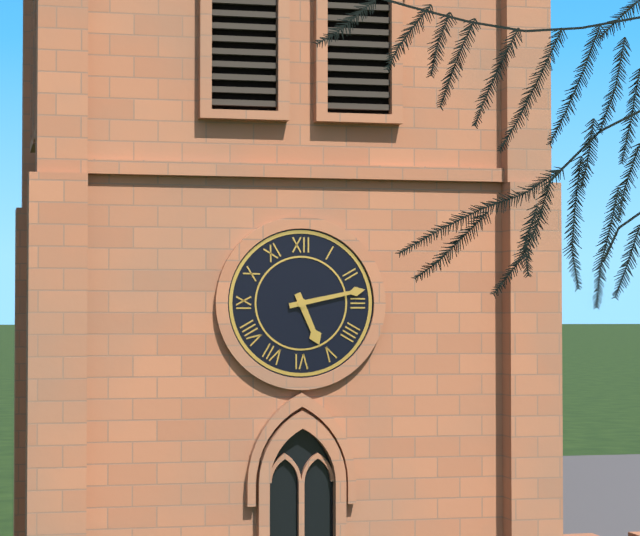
{"hour": 5, "minute": 13}
